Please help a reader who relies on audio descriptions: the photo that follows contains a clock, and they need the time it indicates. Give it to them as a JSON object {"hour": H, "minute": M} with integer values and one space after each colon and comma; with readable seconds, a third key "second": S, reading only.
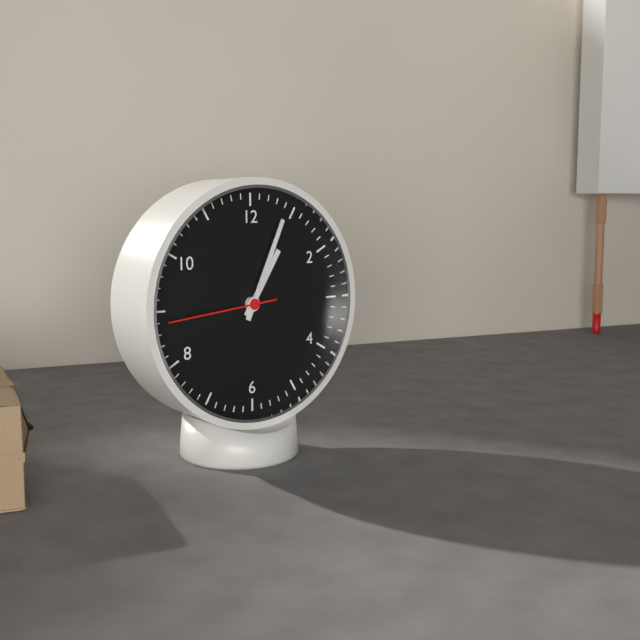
{"hour": 1, "minute": 4, "second": 44}
